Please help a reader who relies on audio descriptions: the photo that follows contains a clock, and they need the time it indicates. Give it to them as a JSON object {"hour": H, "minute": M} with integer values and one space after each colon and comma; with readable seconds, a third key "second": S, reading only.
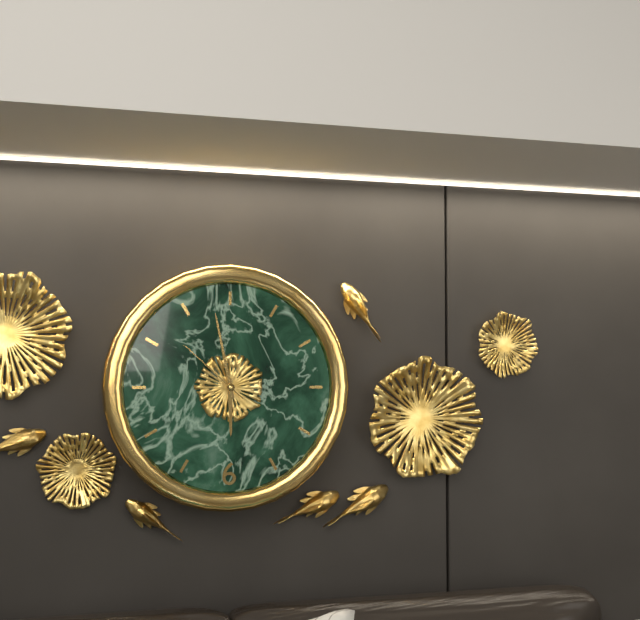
{"hour": 5, "minute": 58, "second": 52}
